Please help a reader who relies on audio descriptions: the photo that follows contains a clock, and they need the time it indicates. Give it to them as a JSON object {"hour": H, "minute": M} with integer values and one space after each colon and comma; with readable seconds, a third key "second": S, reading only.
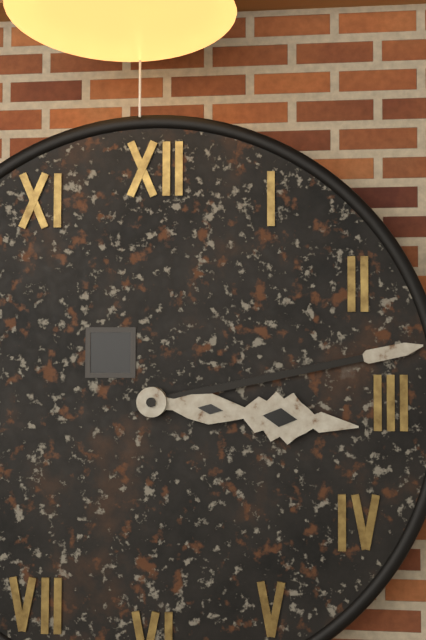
{"hour": 3, "minute": 13}
